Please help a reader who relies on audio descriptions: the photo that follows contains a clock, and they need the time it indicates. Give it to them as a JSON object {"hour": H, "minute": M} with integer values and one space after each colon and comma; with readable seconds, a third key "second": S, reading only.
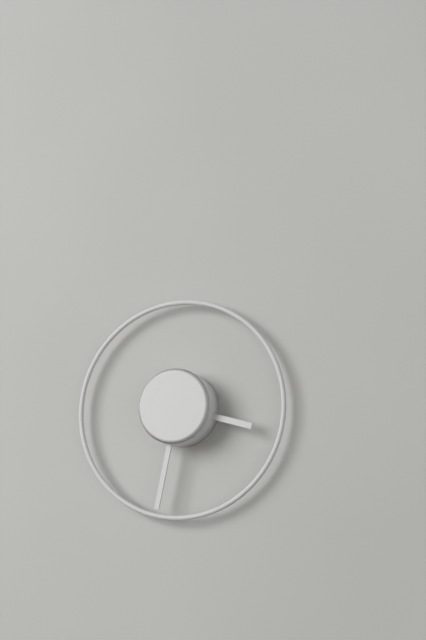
{"hour": 3, "minute": 32}
